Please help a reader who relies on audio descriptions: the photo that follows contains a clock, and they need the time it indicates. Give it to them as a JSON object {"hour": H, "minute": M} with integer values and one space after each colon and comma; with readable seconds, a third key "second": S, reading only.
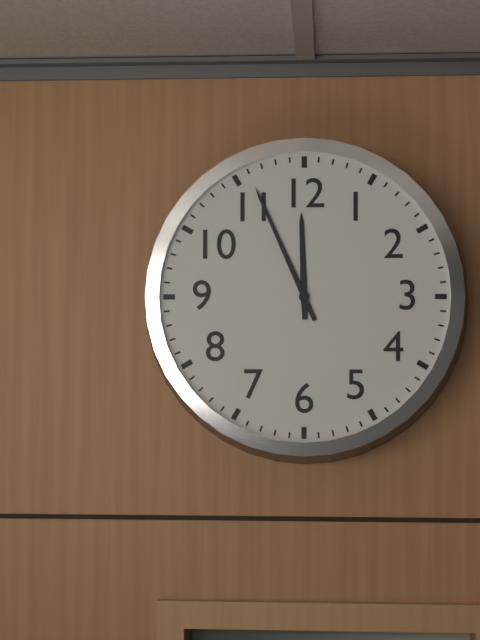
{"hour": 11, "minute": 56}
